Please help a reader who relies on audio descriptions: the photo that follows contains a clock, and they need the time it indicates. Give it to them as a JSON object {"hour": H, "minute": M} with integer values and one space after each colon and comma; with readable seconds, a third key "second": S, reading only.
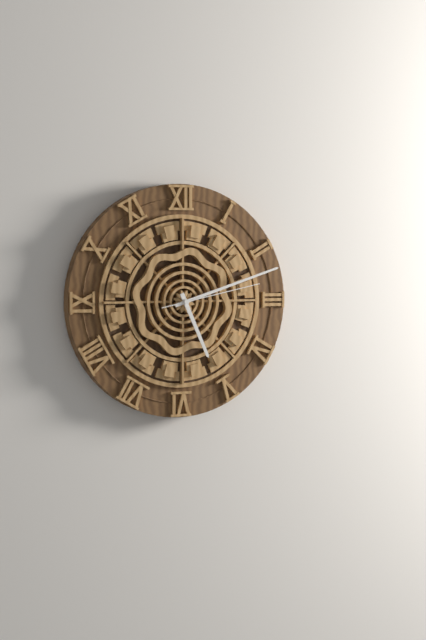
{"hour": 5, "minute": 12, "second": 13}
